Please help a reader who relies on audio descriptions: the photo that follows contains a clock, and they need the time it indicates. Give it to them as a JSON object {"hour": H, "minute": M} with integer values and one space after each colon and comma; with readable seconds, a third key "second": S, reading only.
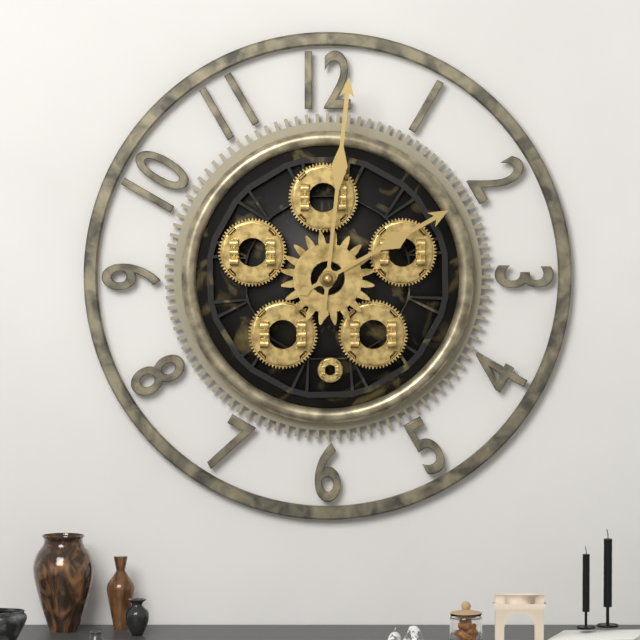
{"hour": 2, "minute": 1}
